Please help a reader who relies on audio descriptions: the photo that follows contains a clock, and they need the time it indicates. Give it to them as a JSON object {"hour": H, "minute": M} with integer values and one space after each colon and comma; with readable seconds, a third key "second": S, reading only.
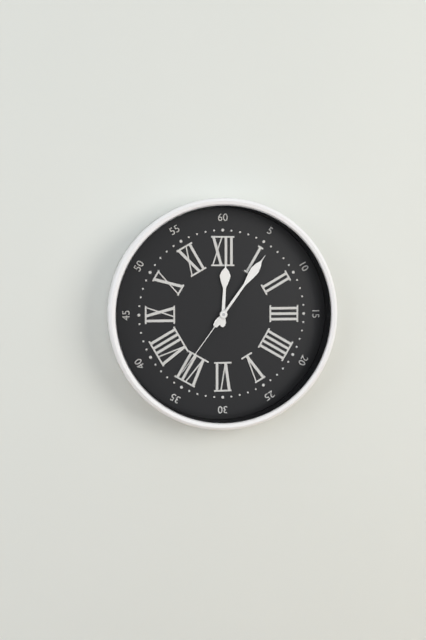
{"hour": 12, "minute": 6, "second": 36}
